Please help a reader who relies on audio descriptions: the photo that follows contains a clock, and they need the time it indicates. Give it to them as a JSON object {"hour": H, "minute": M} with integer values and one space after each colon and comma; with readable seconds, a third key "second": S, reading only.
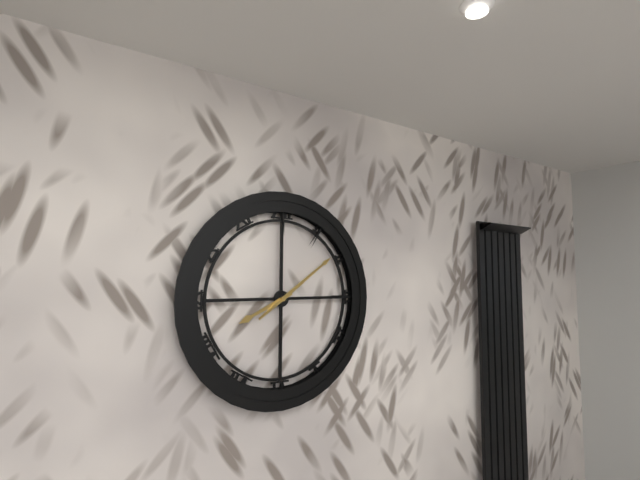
{"hour": 8, "minute": 9}
